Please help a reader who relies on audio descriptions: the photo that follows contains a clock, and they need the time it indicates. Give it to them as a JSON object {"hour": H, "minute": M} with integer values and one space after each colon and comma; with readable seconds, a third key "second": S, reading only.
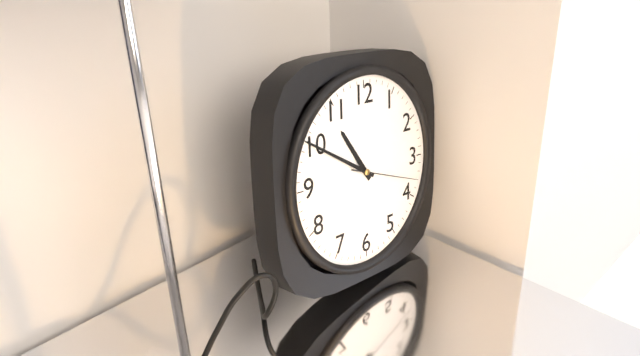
{"hour": 10, "minute": 50, "second": 18}
